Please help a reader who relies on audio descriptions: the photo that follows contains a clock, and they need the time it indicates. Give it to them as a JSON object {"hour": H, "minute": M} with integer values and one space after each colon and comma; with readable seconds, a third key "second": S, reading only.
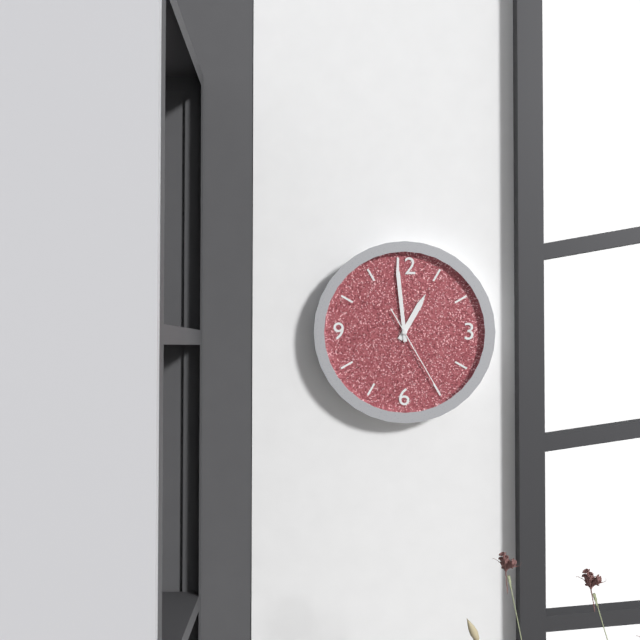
{"hour": 12, "minute": 59, "second": 25}
